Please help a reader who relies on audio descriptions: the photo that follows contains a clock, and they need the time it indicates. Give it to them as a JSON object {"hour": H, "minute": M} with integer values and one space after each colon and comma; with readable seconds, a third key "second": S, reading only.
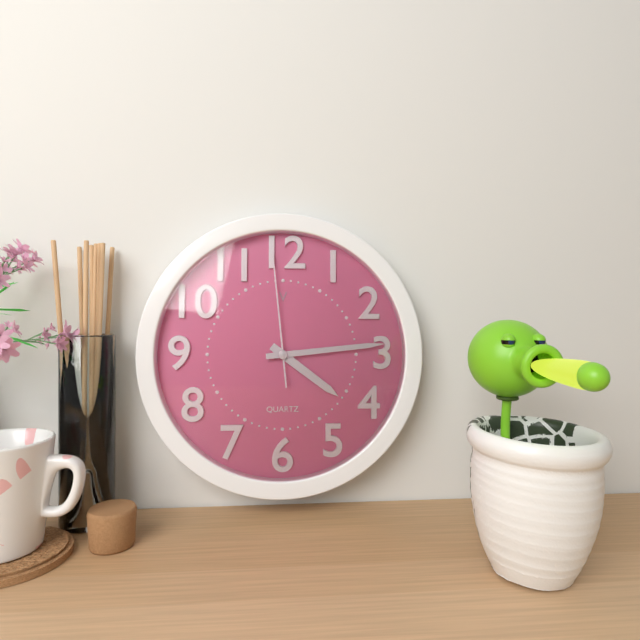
{"hour": 4, "minute": 14, "second": 59}
